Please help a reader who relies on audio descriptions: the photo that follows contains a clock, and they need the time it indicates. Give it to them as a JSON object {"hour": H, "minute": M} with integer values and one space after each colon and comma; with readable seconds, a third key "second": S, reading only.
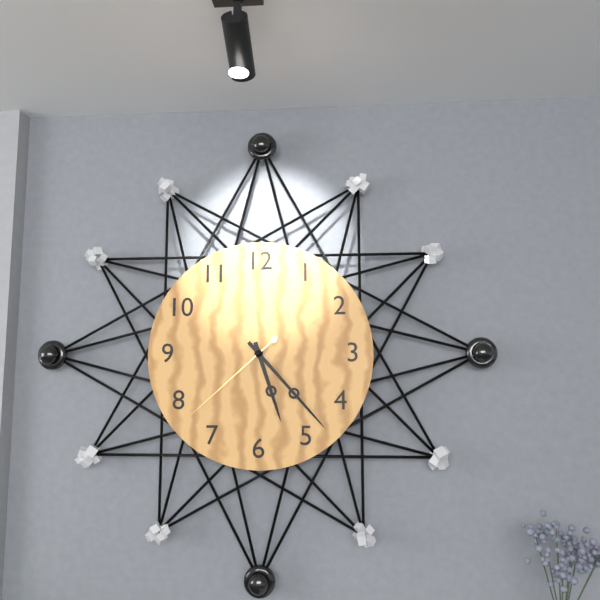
{"hour": 5, "minute": 23, "second": 38}
